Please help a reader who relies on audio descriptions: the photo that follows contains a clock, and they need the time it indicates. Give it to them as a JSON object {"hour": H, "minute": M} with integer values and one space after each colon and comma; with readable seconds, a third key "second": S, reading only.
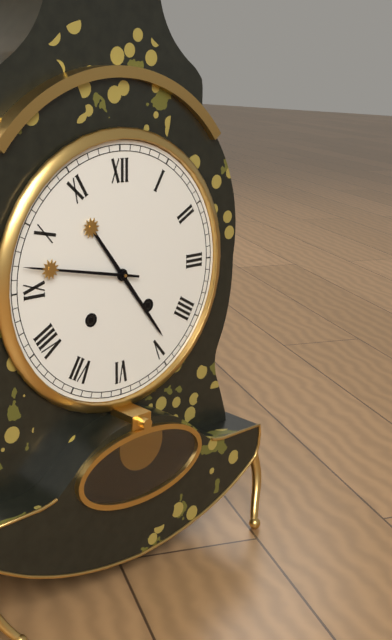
{"hour": 4, "minute": 47}
